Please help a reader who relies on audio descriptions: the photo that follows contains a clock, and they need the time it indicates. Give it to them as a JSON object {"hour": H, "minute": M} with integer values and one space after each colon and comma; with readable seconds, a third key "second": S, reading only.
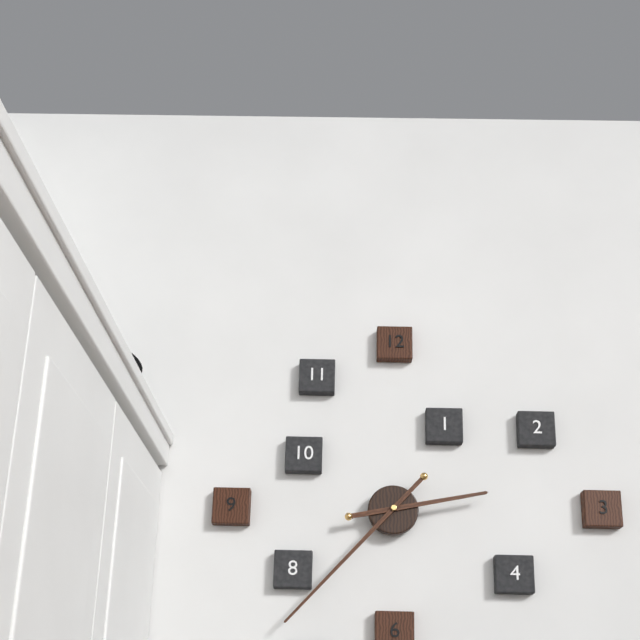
{"hour": 2, "minute": 37}
